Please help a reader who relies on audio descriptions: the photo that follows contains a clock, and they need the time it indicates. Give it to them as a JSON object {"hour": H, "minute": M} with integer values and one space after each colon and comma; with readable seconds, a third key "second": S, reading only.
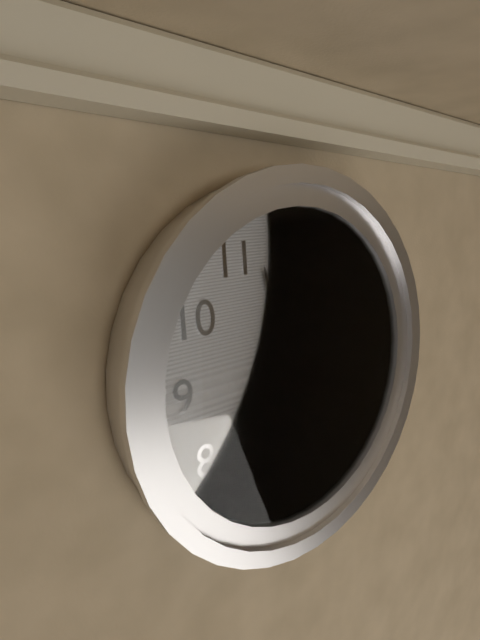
{"hour": 1, "minute": 57, "second": 59}
